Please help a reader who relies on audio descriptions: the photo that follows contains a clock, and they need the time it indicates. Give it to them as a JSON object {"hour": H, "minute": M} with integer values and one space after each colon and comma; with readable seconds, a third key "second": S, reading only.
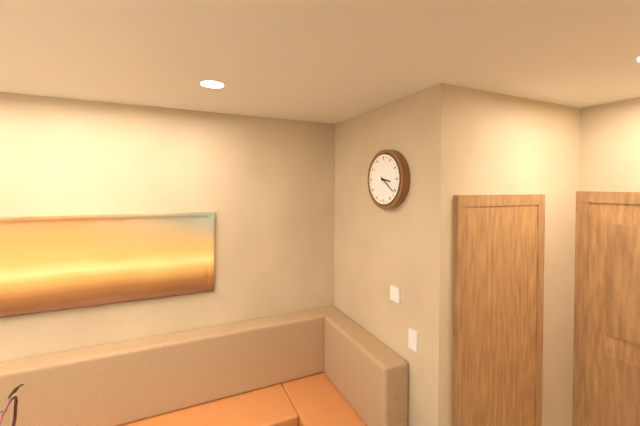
{"hour": 3, "minute": 21}
